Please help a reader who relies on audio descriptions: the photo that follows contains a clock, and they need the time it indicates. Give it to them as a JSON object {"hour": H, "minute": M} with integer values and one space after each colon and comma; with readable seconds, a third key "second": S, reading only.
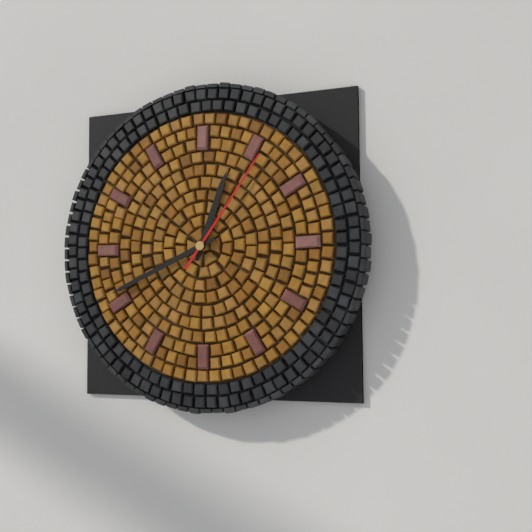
{"hour": 12, "minute": 41, "second": 6}
